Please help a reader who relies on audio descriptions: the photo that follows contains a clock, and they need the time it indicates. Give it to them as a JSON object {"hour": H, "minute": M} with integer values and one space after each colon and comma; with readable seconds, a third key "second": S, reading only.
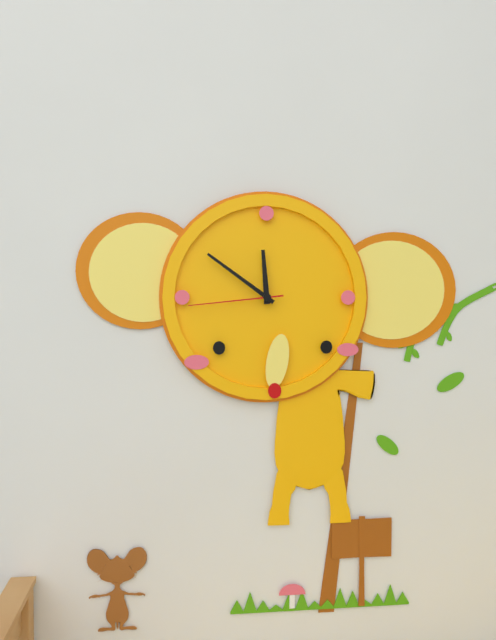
{"hour": 11, "minute": 51, "second": 44}
